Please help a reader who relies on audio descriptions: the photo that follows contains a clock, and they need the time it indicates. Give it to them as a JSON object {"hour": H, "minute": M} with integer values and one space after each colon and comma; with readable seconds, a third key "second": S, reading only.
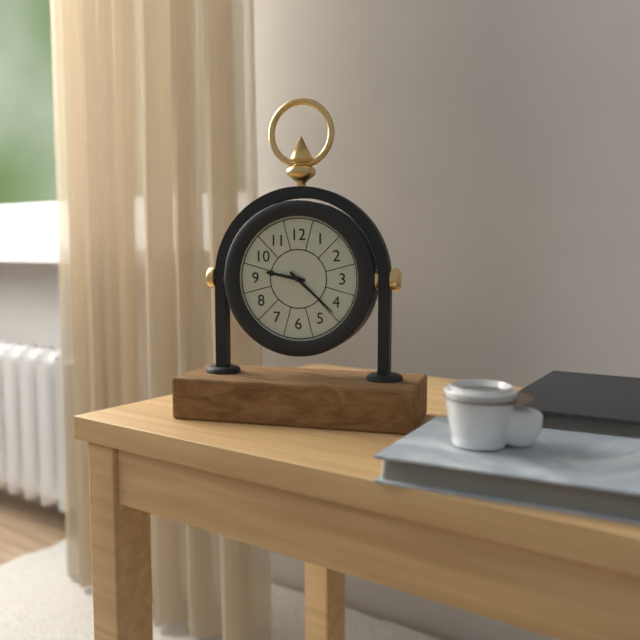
{"hour": 9, "minute": 22}
